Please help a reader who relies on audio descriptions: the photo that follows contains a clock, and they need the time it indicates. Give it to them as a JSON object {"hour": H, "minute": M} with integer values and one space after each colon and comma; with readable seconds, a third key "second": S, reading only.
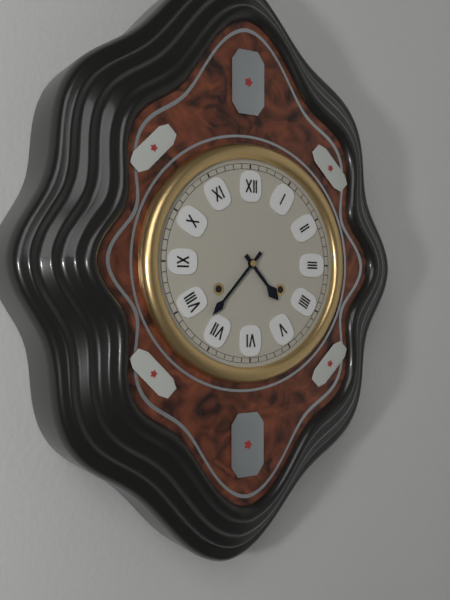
{"hour": 4, "minute": 37}
